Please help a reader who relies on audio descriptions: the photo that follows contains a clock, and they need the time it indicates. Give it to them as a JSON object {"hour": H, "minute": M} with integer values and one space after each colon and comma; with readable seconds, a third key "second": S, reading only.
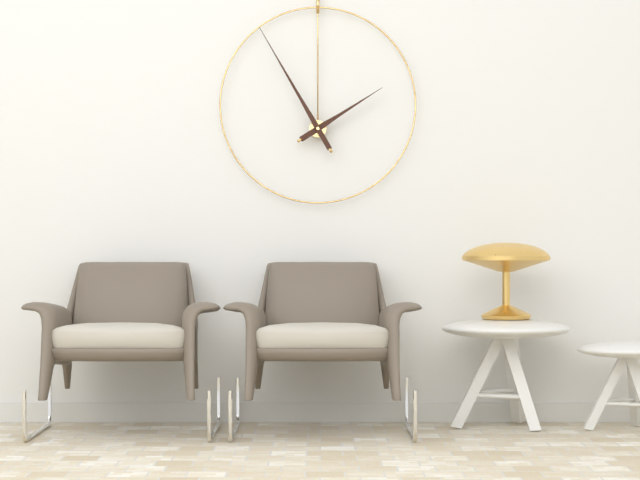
{"hour": 1, "minute": 55}
